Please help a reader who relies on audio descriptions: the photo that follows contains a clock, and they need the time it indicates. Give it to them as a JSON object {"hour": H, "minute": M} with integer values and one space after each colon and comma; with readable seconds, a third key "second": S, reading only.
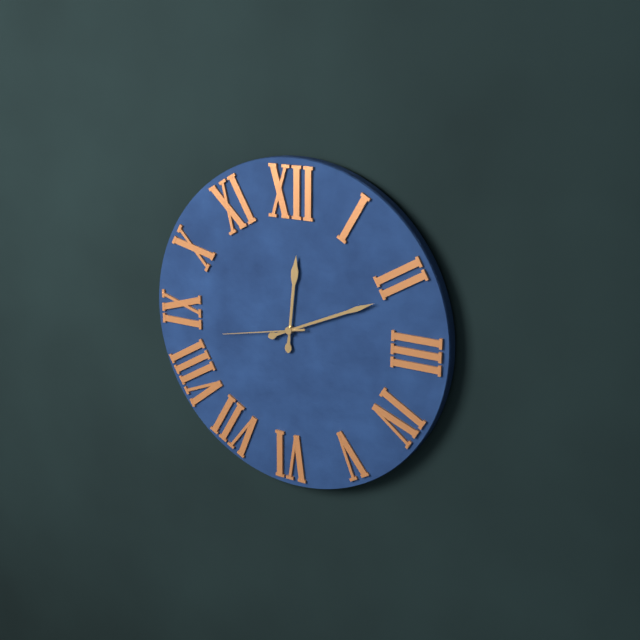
{"hour": 12, "minute": 11, "second": 43}
